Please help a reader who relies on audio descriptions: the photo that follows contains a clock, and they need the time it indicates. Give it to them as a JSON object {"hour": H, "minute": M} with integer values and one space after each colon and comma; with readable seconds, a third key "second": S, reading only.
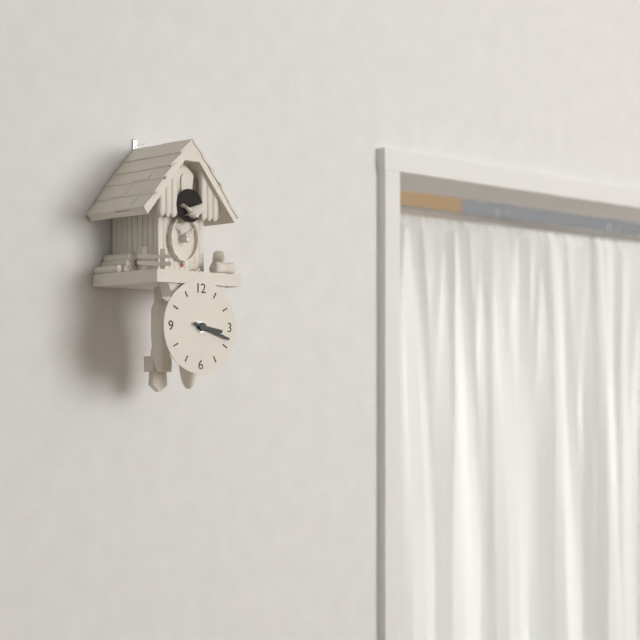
{"hour": 3, "minute": 18}
